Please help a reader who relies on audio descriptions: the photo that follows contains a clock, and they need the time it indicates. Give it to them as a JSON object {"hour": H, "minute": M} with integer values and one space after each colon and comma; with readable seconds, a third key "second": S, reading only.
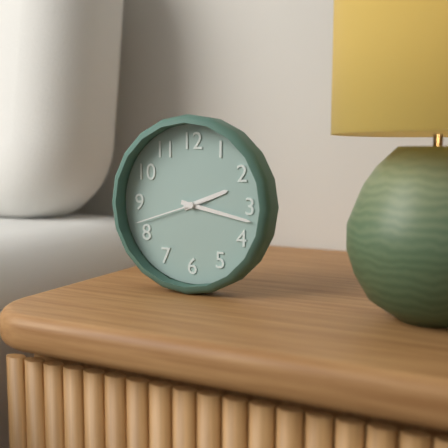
{"hour": 2, "minute": 17, "second": 42}
